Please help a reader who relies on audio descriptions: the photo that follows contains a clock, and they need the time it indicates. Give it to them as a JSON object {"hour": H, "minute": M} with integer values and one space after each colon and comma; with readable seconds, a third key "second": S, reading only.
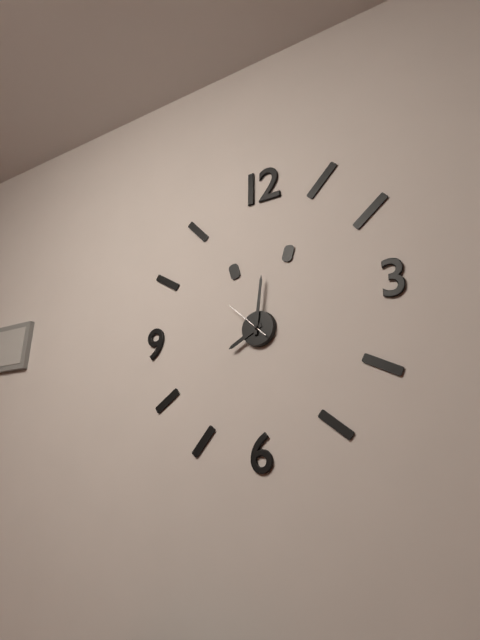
{"hour": 8, "minute": 1, "second": 52}
